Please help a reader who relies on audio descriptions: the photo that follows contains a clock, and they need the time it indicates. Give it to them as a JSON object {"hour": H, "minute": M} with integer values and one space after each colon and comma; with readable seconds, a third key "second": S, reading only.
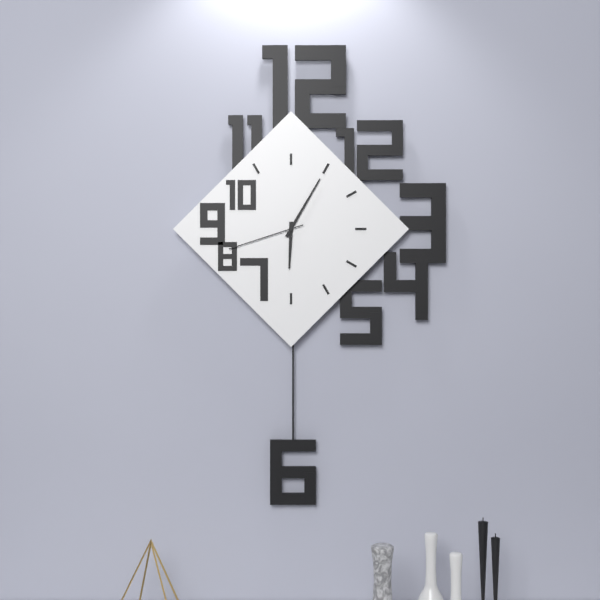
{"hour": 6, "minute": 5, "second": 42}
